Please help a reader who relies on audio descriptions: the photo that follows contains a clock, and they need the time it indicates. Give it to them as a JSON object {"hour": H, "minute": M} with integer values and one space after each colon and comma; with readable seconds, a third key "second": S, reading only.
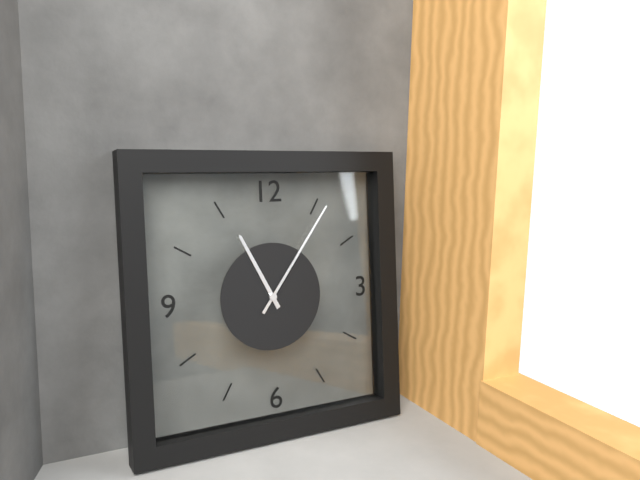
{"hour": 11, "minute": 6}
